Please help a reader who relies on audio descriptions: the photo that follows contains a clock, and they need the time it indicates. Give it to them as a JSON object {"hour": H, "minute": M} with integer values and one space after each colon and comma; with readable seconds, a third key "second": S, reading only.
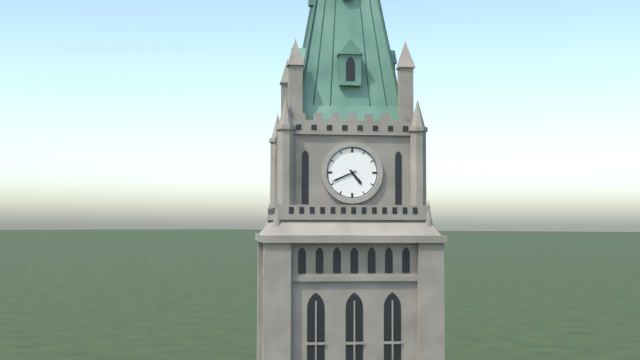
{"hour": 4, "minute": 41}
